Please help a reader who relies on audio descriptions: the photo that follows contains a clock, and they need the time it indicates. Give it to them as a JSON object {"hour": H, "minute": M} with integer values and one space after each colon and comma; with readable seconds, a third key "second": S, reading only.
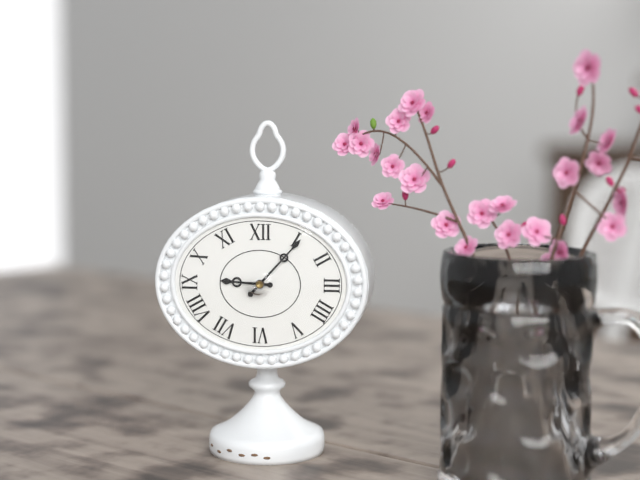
{"hour": 9, "minute": 7}
